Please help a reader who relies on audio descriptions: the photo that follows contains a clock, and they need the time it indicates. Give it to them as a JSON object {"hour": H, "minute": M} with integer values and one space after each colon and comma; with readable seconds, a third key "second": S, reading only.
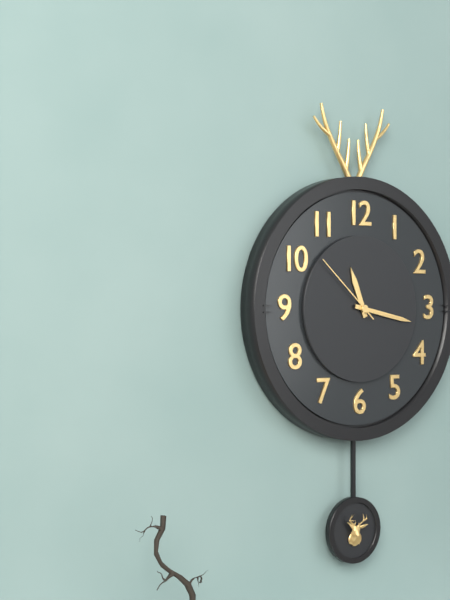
{"hour": 11, "minute": 17, "second": 52}
